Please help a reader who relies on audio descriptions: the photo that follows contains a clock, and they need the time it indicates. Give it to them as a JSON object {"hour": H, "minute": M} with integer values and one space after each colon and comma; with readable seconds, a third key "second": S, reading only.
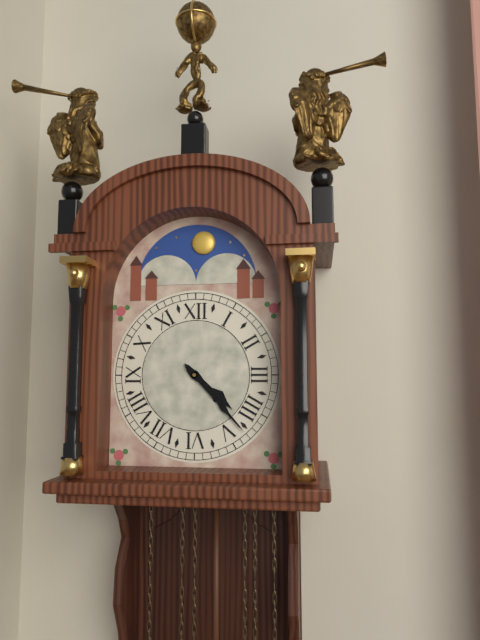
{"hour": 4, "minute": 23}
